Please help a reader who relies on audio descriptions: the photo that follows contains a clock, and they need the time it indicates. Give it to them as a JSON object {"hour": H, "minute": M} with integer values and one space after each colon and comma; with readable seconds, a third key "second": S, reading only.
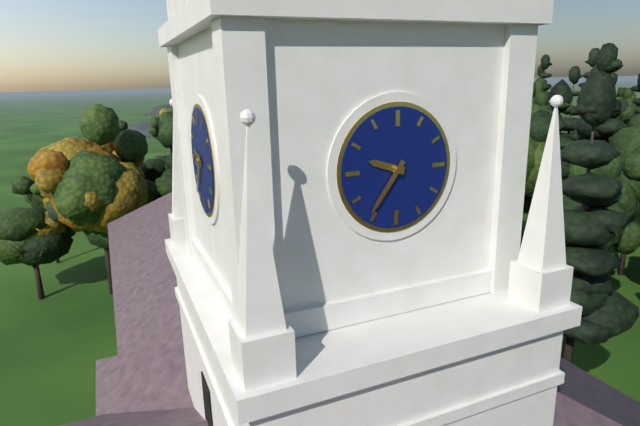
{"hour": 9, "minute": 36}
